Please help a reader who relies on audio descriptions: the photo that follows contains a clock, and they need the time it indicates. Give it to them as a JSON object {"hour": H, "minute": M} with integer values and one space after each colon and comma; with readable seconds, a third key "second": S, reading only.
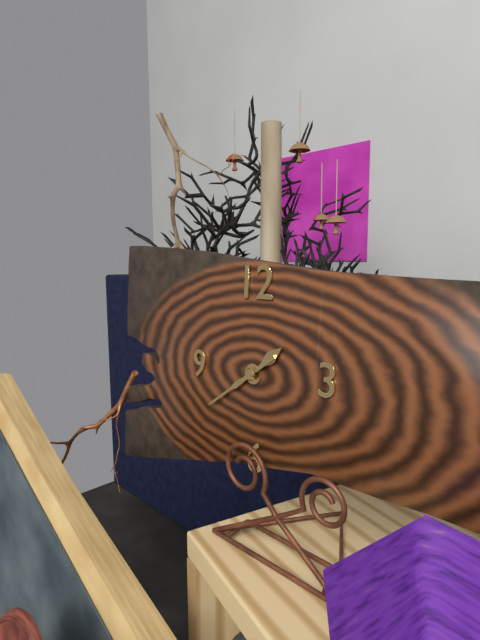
{"hour": 1, "minute": 39}
